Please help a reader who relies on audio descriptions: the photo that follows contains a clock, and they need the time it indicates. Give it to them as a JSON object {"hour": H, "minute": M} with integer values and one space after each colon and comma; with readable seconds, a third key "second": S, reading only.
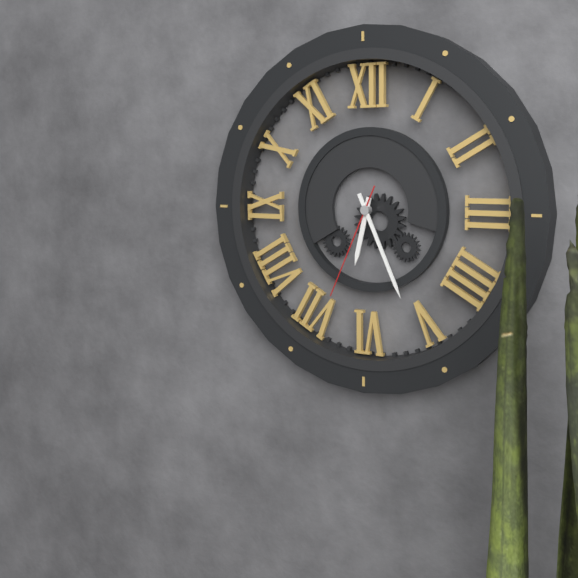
{"hour": 6, "minute": 26, "second": 34}
